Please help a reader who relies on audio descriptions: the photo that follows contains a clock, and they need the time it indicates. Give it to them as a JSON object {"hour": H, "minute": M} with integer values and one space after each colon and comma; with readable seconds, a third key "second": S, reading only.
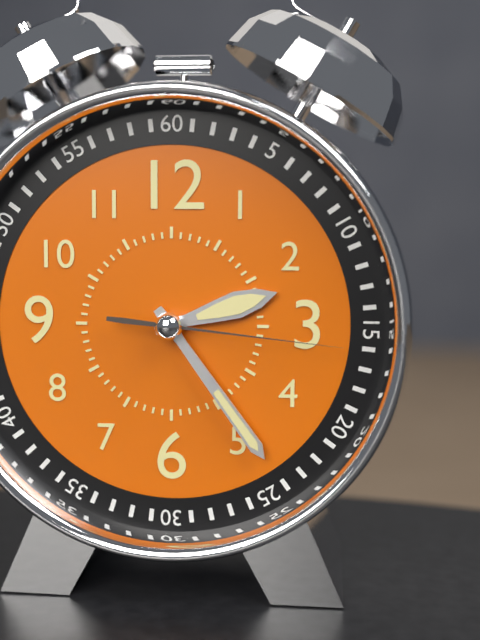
{"hour": 2, "minute": 24, "second": 16}
